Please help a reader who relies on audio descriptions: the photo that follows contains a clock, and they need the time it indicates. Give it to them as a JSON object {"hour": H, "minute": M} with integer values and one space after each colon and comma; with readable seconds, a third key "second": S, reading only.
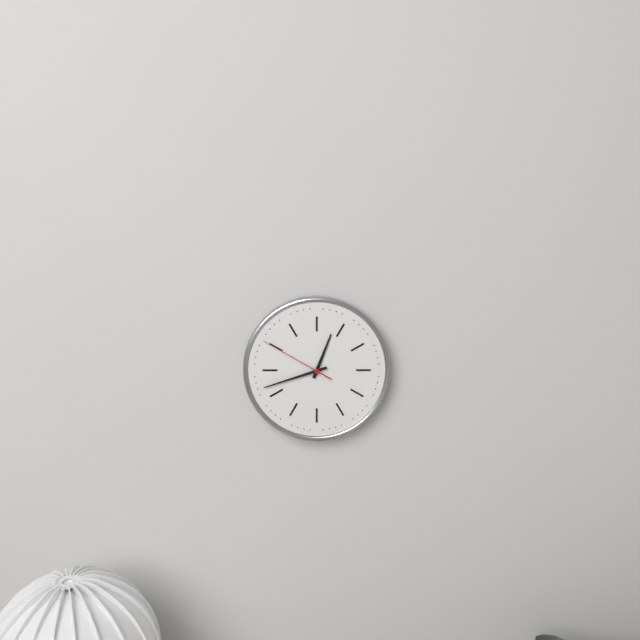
{"hour": 12, "minute": 42, "second": 50}
